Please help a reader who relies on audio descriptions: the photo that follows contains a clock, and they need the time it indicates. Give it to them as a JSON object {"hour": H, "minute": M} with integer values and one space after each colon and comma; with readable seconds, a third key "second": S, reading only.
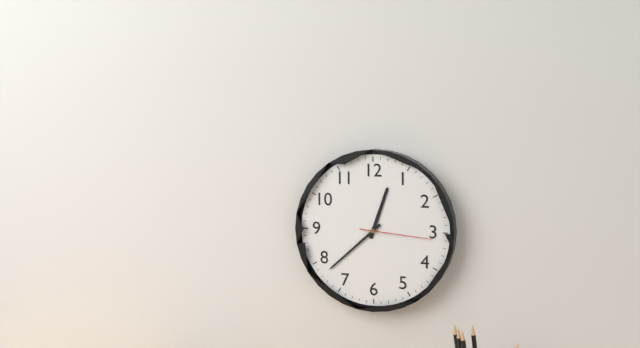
{"hour": 12, "minute": 38, "second": 16}
